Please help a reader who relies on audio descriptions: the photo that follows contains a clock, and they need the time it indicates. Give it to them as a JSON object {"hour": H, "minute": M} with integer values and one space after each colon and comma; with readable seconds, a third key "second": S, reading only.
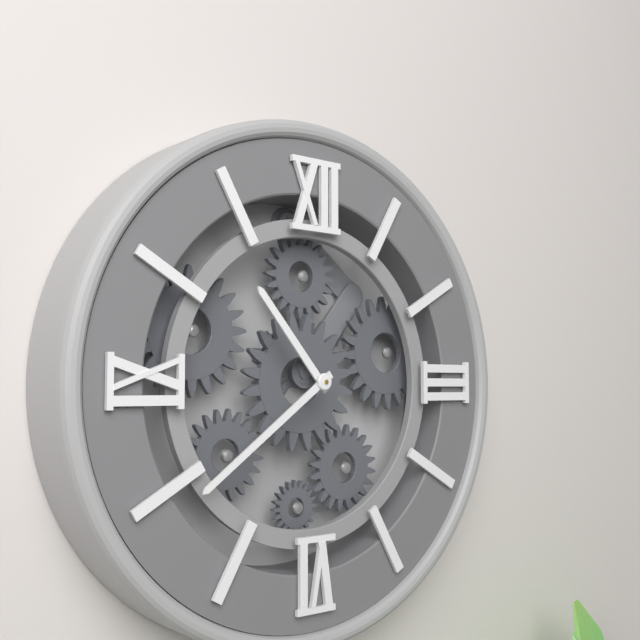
{"hour": 10, "minute": 39}
